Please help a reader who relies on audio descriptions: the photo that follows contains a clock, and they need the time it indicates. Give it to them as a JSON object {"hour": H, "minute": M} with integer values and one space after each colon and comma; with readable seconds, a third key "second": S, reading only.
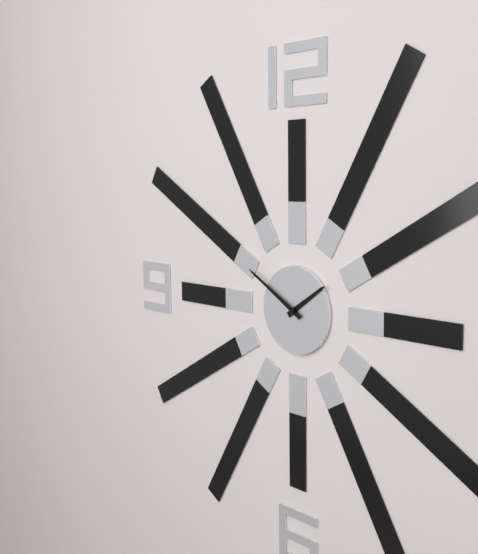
{"hour": 1, "minute": 50}
